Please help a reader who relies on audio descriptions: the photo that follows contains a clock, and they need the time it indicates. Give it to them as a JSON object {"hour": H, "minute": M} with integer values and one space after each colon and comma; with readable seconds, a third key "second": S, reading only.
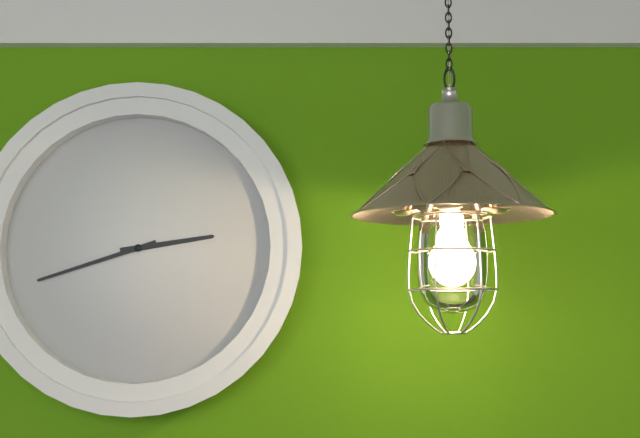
{"hour": 2, "minute": 42}
